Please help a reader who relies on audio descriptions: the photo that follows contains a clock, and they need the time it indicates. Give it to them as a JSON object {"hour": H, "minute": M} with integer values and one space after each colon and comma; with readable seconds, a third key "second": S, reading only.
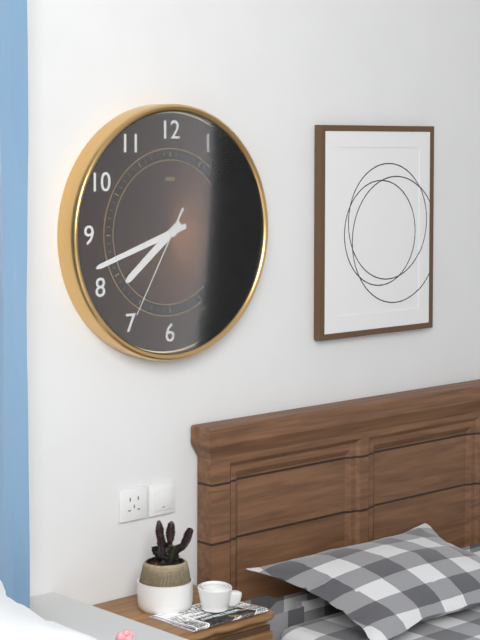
{"hour": 7, "minute": 42, "second": 35}
